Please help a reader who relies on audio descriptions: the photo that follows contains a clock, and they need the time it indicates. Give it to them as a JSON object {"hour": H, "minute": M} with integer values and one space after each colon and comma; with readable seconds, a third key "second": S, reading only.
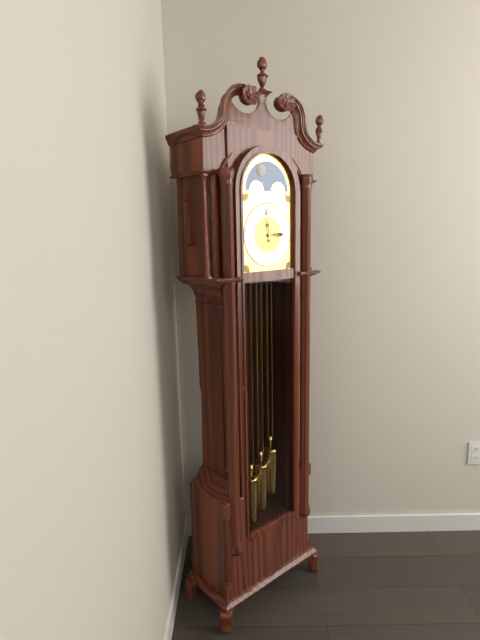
{"hour": 2, "minute": 59}
